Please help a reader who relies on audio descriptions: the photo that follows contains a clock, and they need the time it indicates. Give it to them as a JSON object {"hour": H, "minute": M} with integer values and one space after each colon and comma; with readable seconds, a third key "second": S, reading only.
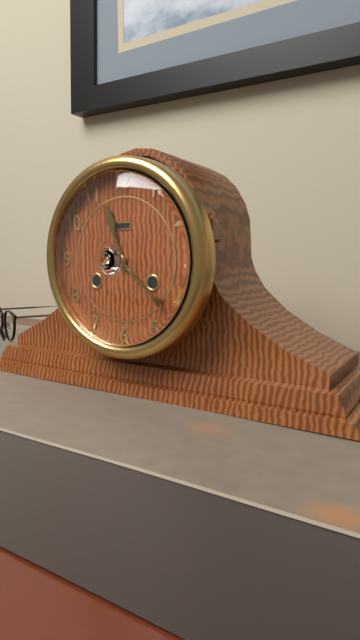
{"hour": 11, "minute": 22}
